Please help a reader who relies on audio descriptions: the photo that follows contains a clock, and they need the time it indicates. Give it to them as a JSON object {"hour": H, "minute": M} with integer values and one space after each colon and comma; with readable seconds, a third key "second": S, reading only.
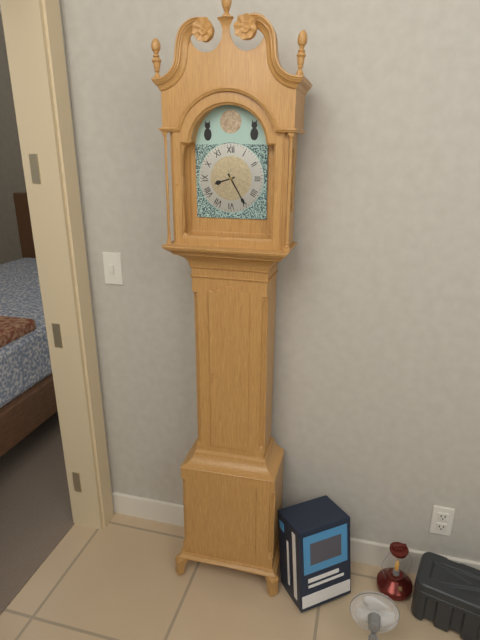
{"hour": 8, "minute": 25}
